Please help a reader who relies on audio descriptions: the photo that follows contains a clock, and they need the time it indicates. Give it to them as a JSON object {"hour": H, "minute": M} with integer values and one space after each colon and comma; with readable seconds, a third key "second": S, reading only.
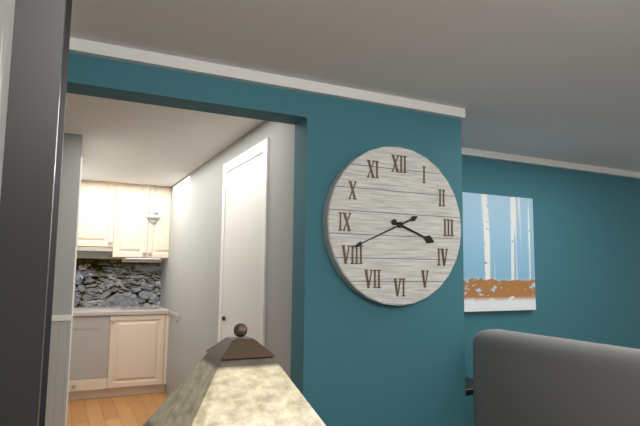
{"hour": 3, "minute": 41}
